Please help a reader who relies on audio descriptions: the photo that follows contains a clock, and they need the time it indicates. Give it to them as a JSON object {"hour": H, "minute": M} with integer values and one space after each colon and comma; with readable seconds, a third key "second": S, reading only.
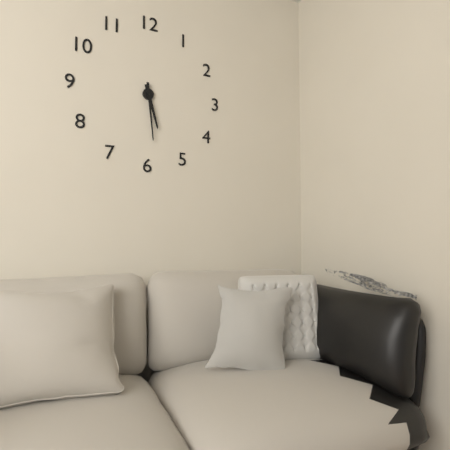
{"hour": 5, "minute": 29}
